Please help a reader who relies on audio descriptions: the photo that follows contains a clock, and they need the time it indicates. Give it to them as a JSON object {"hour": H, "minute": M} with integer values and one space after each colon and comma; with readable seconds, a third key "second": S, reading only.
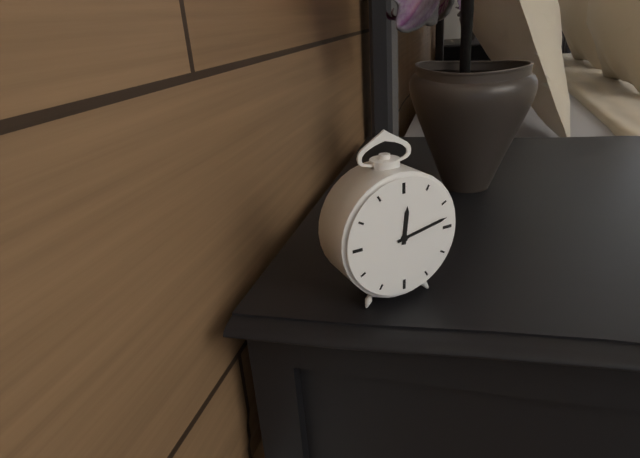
{"hour": 12, "minute": 13}
